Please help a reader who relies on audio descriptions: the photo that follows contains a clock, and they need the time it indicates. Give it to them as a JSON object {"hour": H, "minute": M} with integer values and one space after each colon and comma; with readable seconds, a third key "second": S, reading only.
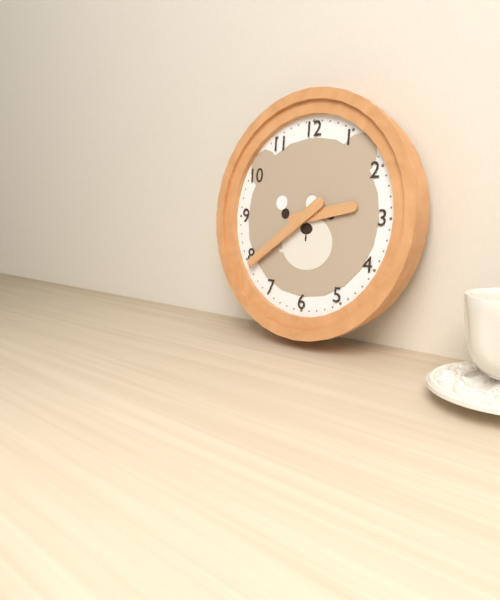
{"hour": 2, "minute": 39}
